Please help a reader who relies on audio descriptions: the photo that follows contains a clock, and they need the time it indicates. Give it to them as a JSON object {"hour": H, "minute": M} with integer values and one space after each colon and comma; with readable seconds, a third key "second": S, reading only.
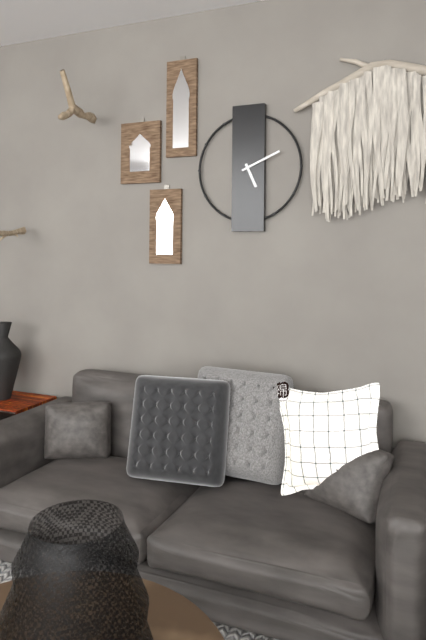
{"hour": 5, "minute": 11}
